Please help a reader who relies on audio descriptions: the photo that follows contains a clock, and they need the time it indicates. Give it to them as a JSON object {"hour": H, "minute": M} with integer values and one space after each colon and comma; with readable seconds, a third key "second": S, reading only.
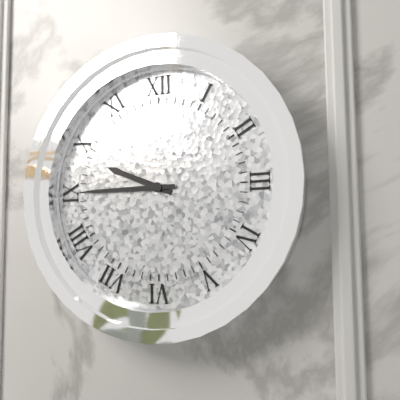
{"hour": 9, "minute": 45}
